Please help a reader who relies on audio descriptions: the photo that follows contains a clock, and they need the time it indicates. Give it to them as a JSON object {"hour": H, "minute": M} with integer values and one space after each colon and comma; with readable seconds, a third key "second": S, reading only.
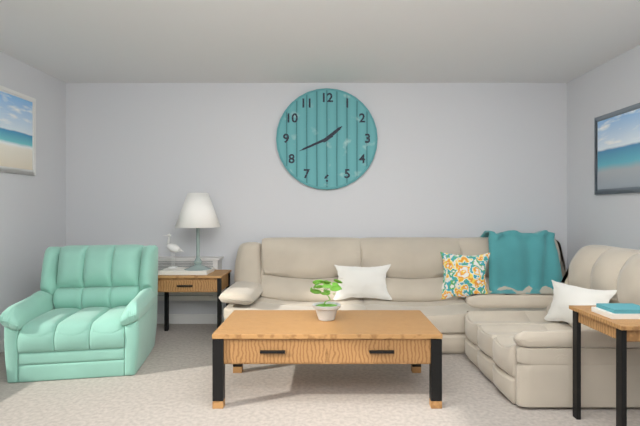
{"hour": 1, "minute": 41}
